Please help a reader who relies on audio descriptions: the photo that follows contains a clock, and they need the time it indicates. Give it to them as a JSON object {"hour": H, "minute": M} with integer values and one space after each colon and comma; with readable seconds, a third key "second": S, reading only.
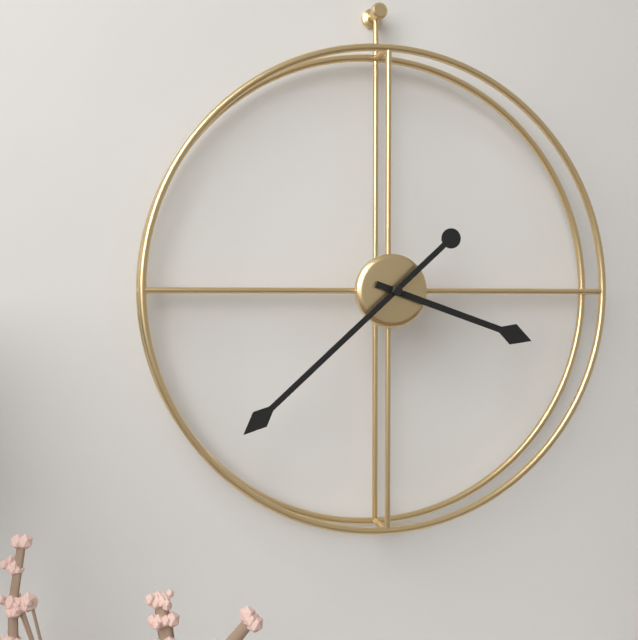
{"hour": 3, "minute": 38}
